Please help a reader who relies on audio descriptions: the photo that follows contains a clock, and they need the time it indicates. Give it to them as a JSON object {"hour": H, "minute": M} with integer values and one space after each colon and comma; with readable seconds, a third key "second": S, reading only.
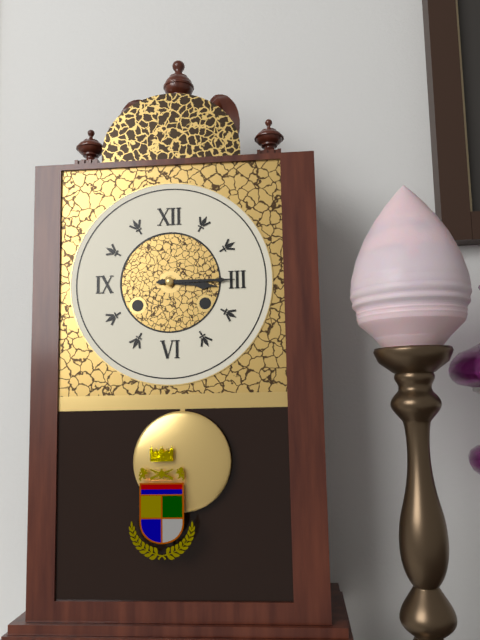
{"hour": 3, "minute": 15}
